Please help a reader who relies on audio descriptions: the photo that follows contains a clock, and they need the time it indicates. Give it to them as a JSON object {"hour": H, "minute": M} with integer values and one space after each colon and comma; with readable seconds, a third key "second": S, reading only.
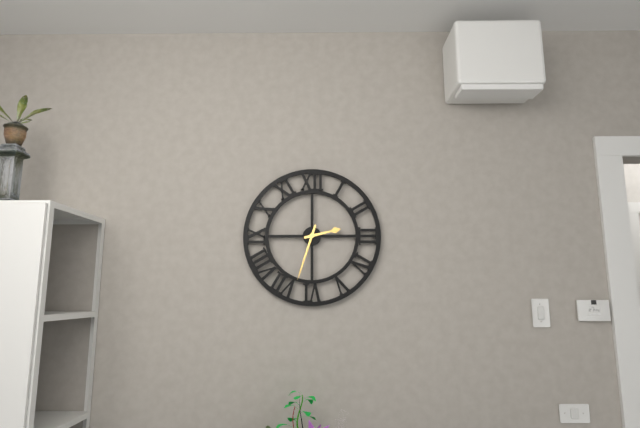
{"hour": 2, "minute": 33}
